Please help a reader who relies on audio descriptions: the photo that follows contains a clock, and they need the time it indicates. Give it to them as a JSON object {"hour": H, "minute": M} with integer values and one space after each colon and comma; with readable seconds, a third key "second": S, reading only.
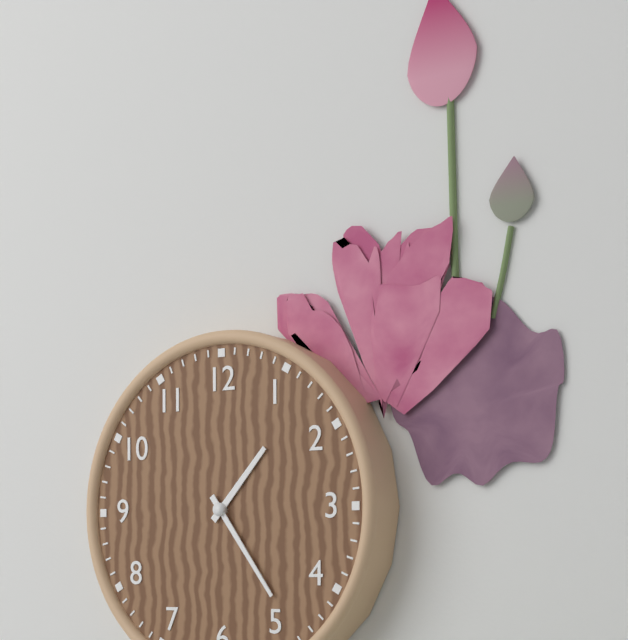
{"hour": 1, "minute": 24}
